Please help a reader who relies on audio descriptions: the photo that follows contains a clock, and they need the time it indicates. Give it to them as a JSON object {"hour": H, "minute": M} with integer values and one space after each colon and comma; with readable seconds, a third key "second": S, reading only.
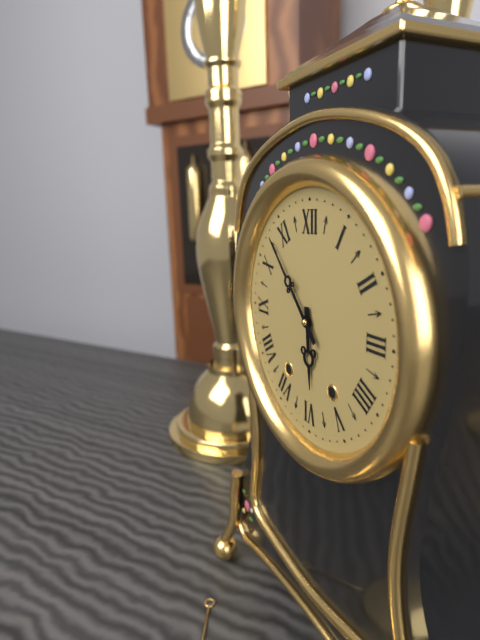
{"hour": 5, "minute": 53}
